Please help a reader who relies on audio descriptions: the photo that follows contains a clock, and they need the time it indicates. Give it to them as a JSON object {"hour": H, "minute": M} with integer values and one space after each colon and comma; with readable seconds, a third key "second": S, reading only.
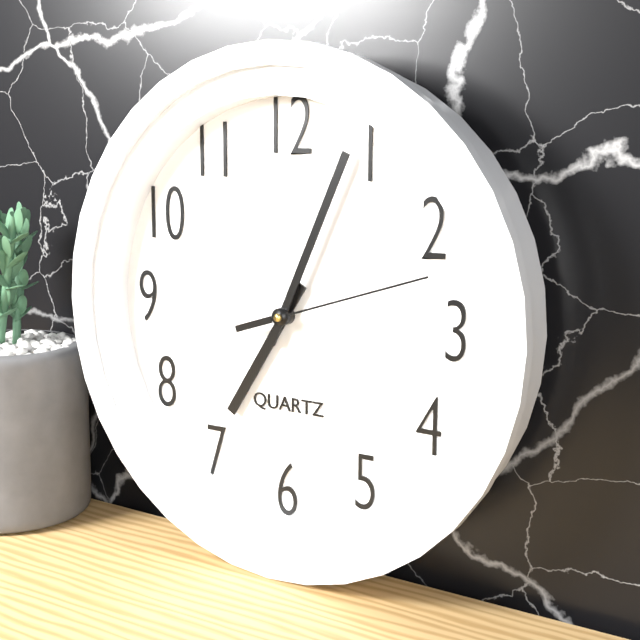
{"hour": 7, "minute": 4, "second": 12}
